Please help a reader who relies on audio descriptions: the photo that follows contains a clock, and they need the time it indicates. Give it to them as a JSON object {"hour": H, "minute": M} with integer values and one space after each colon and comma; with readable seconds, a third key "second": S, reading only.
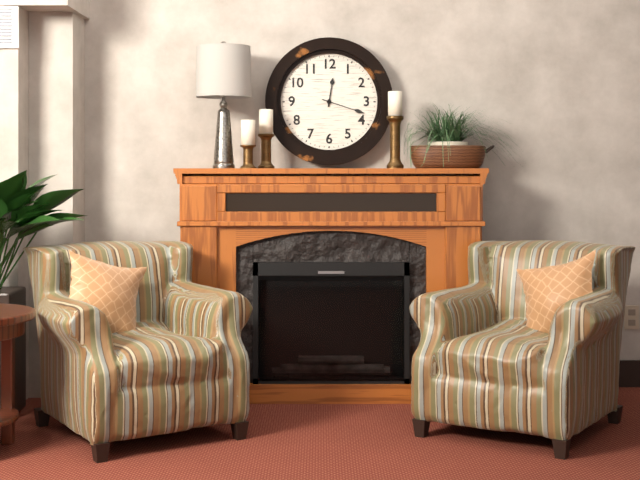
{"hour": 12, "minute": 18}
